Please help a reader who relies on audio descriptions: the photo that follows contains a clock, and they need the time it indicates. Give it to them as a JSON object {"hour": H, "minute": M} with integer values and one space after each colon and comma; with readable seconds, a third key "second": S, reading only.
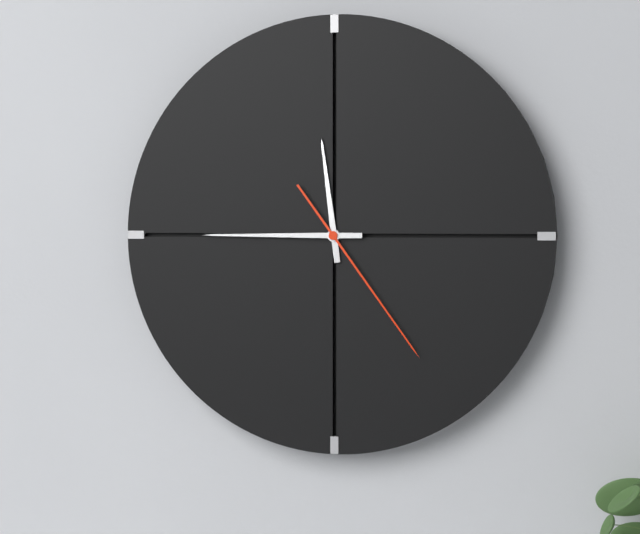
{"hour": 11, "minute": 45, "second": 24}
